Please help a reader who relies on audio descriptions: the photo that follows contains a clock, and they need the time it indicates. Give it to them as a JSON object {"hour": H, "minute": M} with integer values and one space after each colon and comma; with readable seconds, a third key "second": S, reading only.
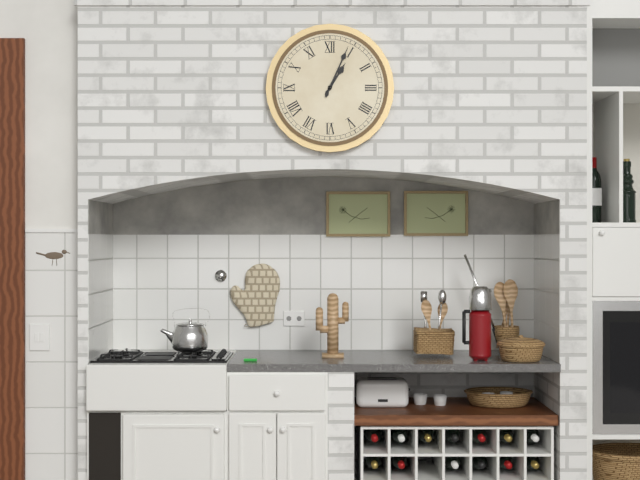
{"hour": 1, "minute": 4}
